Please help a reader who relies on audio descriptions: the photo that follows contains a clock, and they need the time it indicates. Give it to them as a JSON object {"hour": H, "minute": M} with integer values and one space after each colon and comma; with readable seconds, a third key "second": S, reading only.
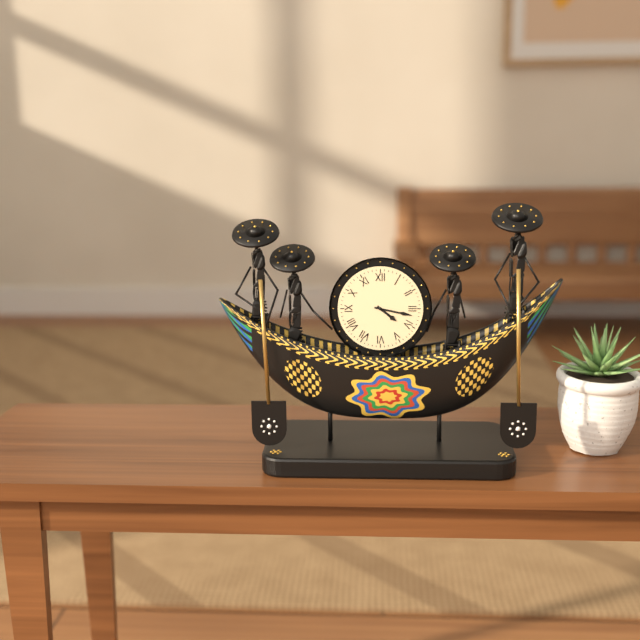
{"hour": 4, "minute": 17}
